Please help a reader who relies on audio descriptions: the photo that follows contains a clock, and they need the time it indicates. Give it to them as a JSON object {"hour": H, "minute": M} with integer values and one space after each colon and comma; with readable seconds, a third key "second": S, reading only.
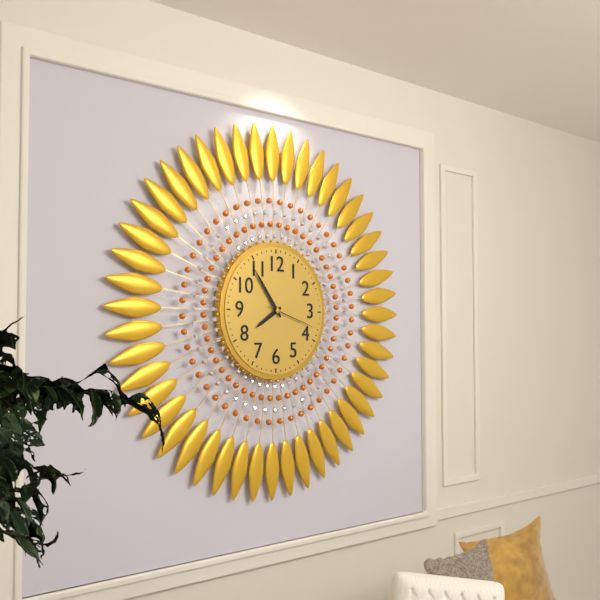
{"hour": 7, "minute": 54, "second": 18}
